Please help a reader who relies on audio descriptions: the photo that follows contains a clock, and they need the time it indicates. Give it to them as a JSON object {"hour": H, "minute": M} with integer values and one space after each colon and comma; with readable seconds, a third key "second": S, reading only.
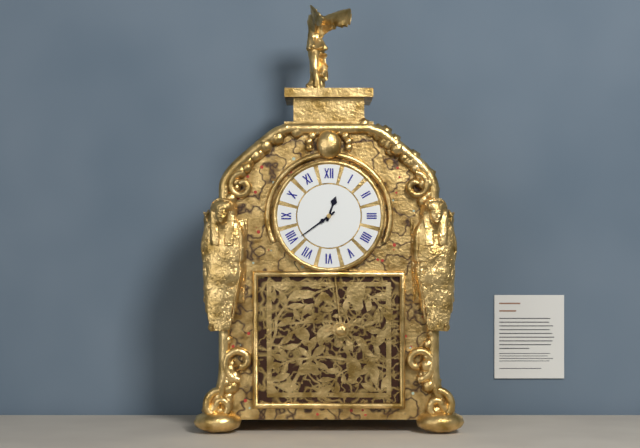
{"hour": 12, "minute": 39}
